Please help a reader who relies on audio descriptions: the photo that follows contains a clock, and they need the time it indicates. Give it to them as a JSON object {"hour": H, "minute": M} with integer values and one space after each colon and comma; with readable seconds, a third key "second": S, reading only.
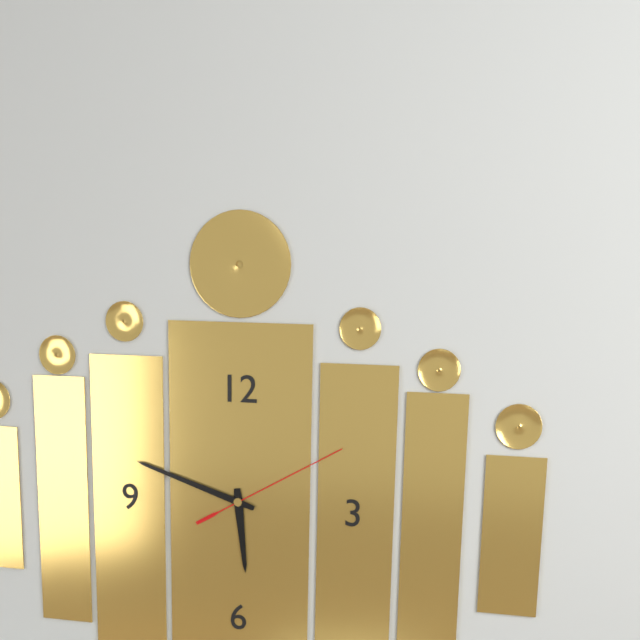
{"hour": 5, "minute": 48, "second": 10}
